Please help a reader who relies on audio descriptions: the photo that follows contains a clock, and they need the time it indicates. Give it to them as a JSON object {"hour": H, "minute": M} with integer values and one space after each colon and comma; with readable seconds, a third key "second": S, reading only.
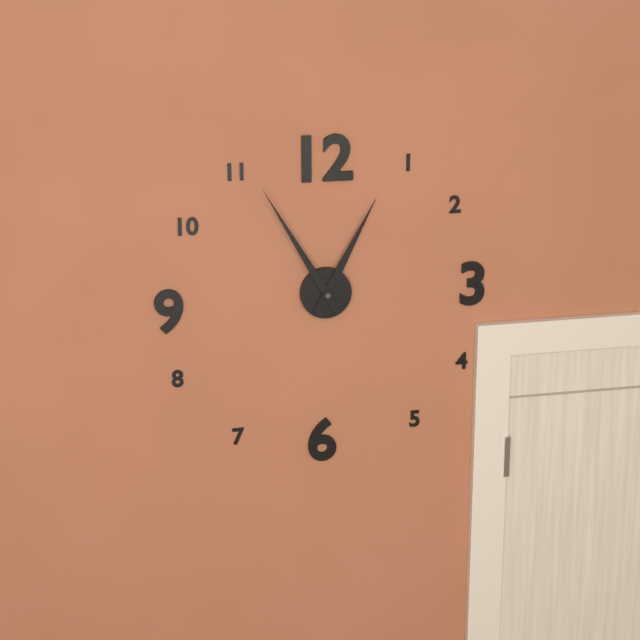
{"hour": 12, "minute": 55}
